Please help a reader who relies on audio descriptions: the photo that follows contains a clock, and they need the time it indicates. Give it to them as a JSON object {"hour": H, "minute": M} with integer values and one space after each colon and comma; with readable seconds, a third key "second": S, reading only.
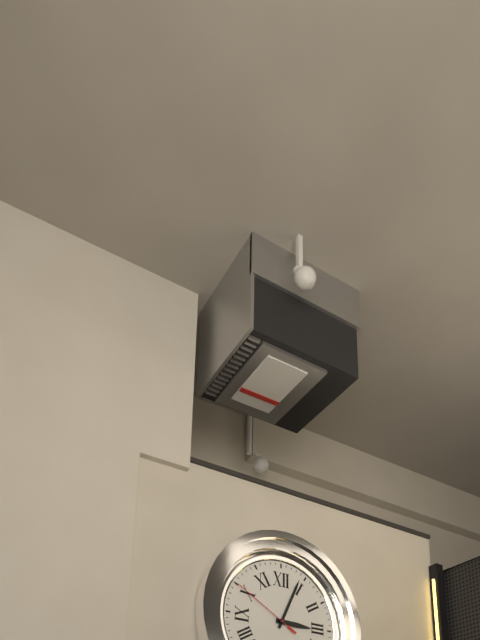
{"hour": 3, "minute": 4, "second": 50}
